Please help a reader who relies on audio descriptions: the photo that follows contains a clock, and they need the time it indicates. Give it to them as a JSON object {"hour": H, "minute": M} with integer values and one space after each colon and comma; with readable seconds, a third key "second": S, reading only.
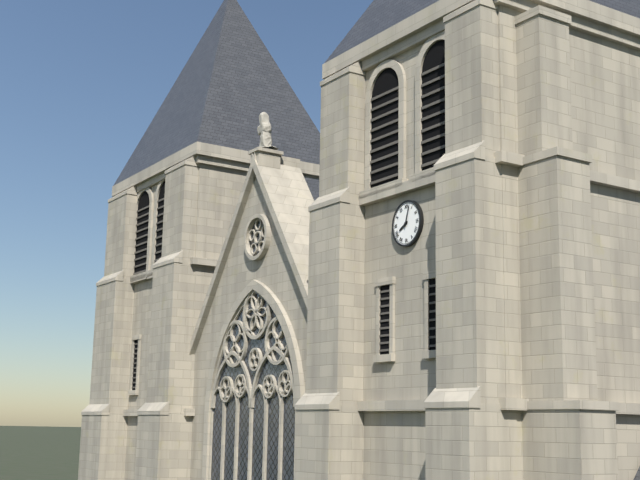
{"hour": 8, "minute": 3}
